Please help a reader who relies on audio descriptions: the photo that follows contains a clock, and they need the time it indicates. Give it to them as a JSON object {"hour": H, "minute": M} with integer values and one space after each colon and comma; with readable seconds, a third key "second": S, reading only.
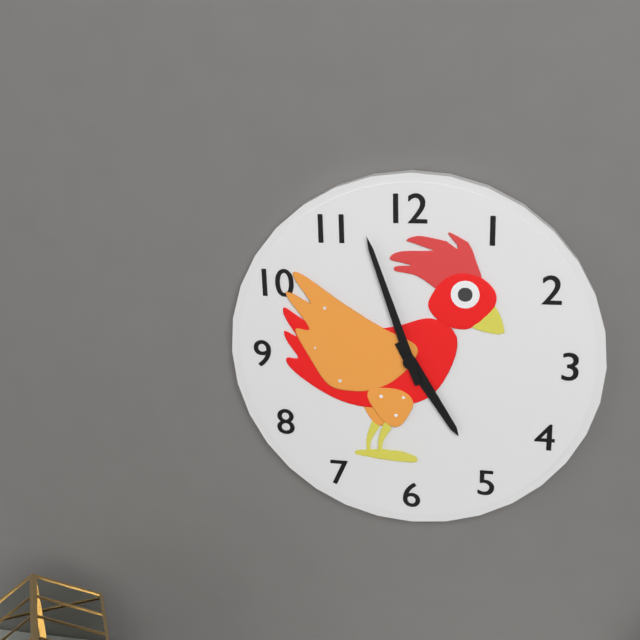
{"hour": 4, "minute": 57}
